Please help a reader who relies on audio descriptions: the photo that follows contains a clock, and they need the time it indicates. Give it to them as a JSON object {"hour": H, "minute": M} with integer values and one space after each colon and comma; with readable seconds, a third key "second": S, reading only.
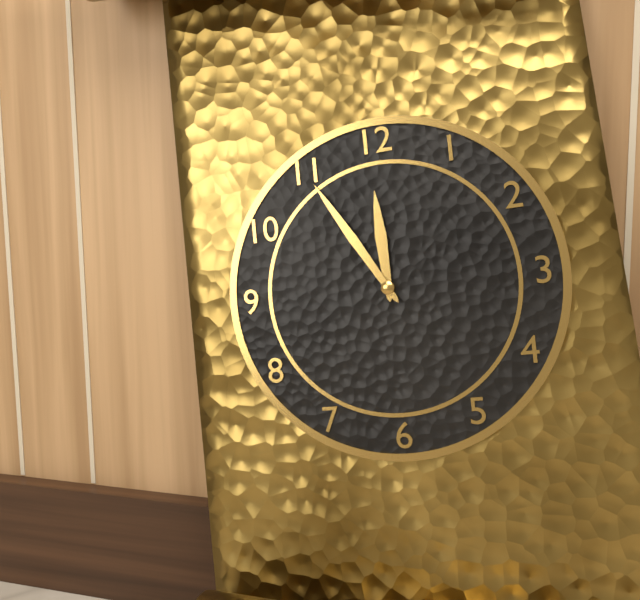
{"hour": 11, "minute": 55}
